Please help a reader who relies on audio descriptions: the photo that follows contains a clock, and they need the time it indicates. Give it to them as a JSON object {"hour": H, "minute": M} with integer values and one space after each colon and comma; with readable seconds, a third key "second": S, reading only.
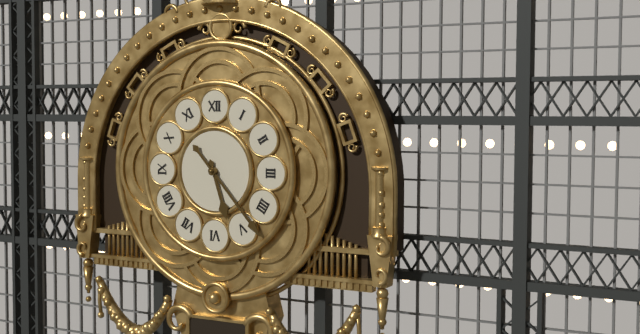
{"hour": 5, "minute": 23}
